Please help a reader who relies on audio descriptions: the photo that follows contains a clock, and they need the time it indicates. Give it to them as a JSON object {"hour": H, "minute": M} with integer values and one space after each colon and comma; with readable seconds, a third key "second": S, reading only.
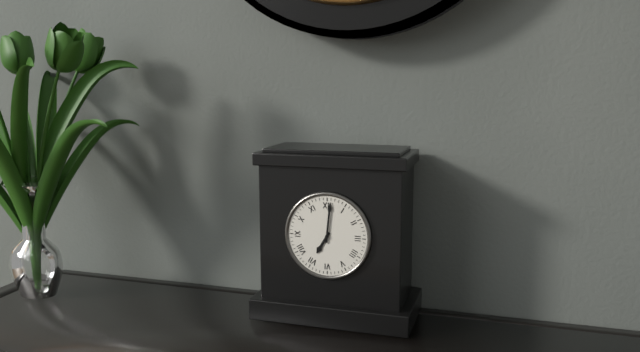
{"hour": 7, "minute": 1}
